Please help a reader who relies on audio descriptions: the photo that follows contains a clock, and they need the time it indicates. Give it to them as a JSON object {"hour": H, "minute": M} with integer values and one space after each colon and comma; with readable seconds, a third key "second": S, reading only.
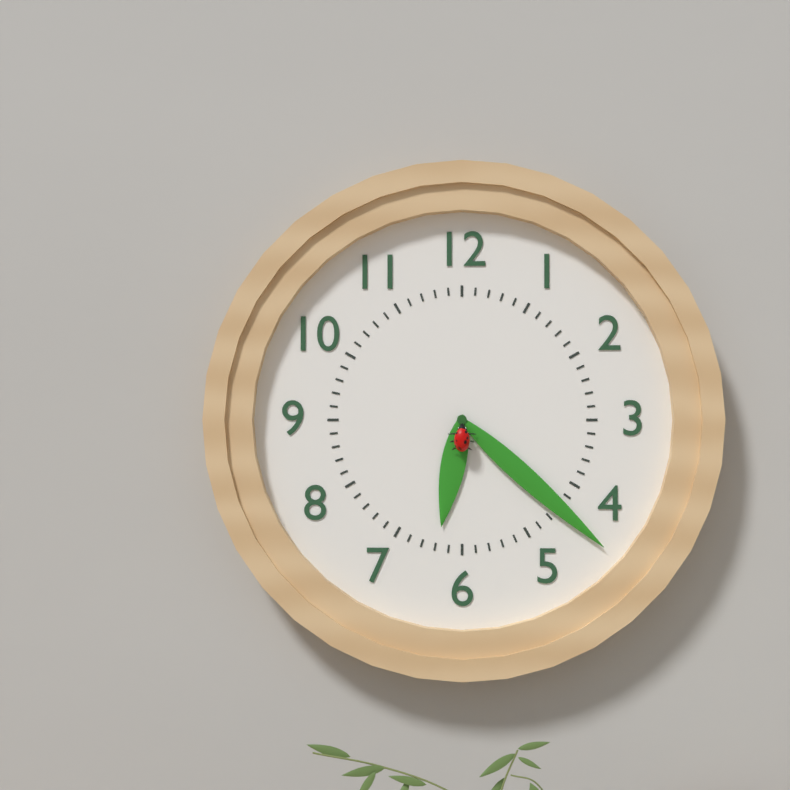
{"hour": 6, "minute": 22}
